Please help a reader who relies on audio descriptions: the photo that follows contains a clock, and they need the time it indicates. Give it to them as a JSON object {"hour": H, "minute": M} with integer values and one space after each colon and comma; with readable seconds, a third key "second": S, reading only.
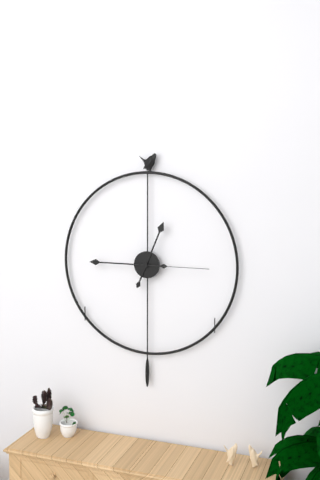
{"hour": 12, "minute": 45, "second": 15}
